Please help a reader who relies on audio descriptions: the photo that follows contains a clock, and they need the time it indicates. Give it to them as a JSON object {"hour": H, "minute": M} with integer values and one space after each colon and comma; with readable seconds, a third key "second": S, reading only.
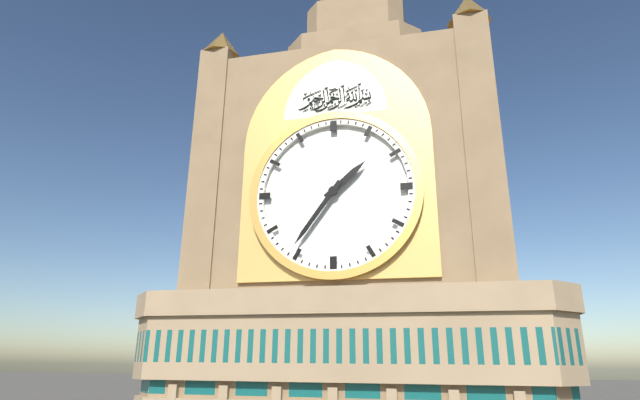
{"hour": 1, "minute": 36}
